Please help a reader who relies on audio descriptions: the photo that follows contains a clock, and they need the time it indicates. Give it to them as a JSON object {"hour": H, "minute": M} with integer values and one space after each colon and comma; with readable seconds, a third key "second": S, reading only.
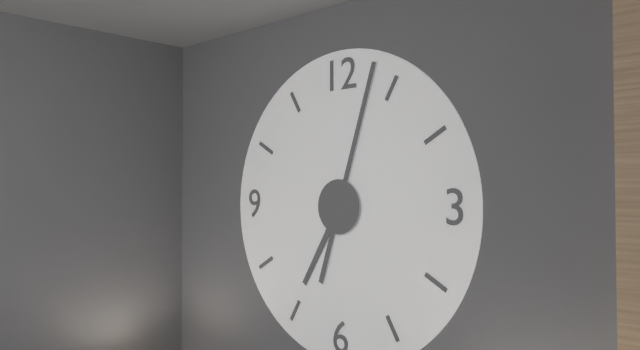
{"hour": 7, "minute": 3}
